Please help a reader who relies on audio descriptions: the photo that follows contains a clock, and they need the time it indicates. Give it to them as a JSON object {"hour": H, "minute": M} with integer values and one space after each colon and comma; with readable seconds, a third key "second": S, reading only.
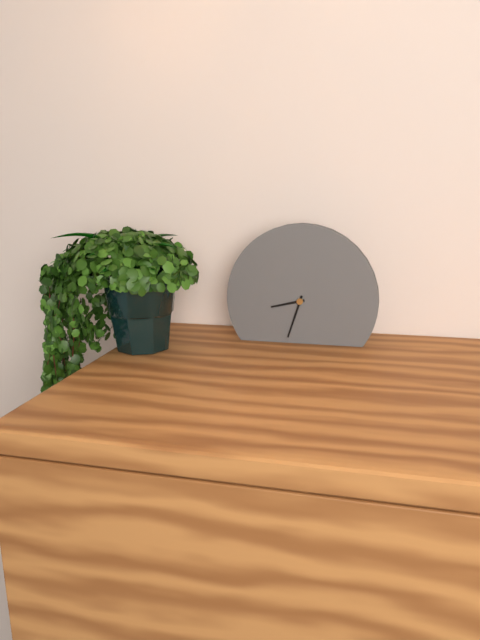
{"hour": 8, "minute": 33}
